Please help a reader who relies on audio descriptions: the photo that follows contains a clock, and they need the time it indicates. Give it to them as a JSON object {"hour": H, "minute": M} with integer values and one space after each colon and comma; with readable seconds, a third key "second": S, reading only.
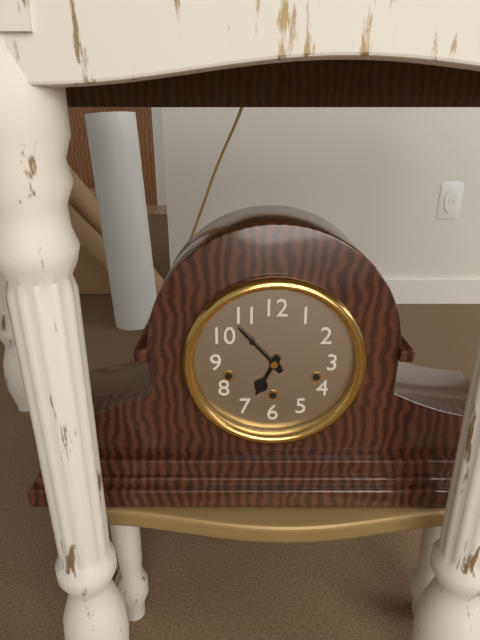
{"hour": 6, "minute": 53}
